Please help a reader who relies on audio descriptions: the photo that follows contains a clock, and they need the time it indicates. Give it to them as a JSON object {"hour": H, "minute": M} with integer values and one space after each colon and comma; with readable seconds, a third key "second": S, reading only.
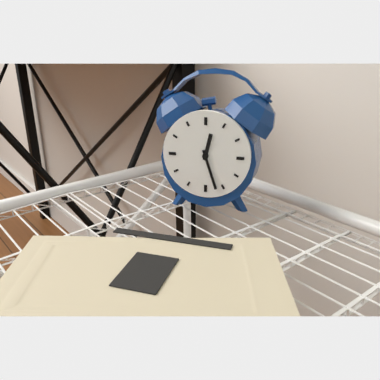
{"hour": 12, "minute": 27}
